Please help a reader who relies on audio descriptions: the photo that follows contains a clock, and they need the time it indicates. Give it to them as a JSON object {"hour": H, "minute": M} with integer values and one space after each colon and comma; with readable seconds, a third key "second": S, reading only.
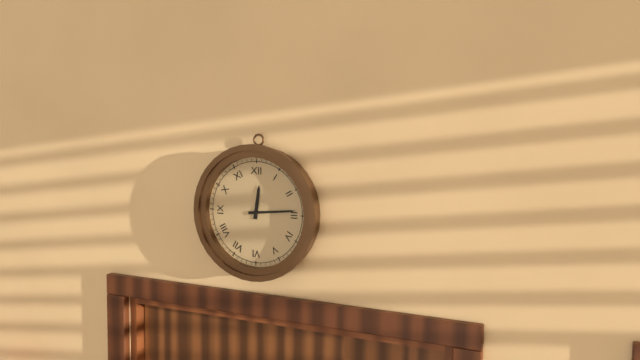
{"hour": 12, "minute": 14}
